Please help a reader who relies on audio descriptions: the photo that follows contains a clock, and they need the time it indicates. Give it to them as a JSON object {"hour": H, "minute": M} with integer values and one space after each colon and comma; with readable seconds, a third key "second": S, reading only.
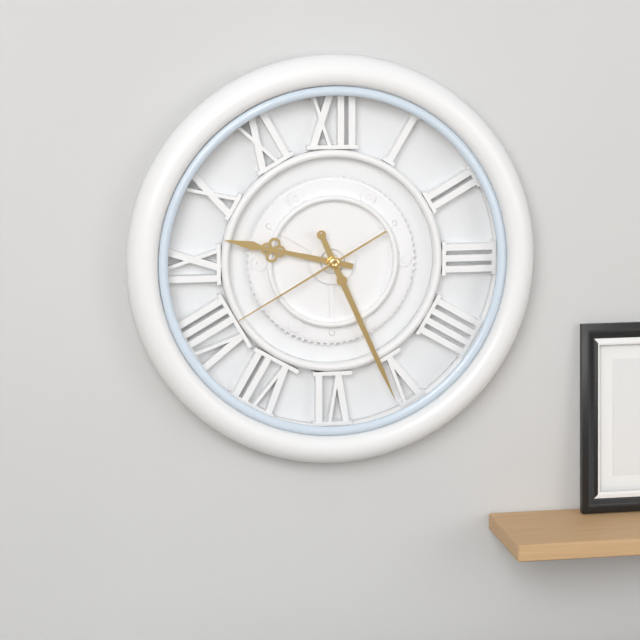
{"hour": 9, "minute": 26, "second": 40}
